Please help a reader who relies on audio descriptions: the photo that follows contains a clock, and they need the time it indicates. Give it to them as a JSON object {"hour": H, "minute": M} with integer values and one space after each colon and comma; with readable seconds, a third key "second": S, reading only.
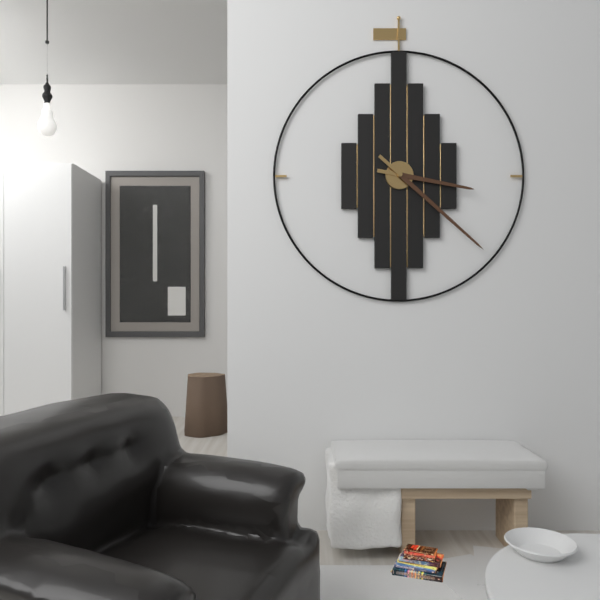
{"hour": 3, "minute": 22}
